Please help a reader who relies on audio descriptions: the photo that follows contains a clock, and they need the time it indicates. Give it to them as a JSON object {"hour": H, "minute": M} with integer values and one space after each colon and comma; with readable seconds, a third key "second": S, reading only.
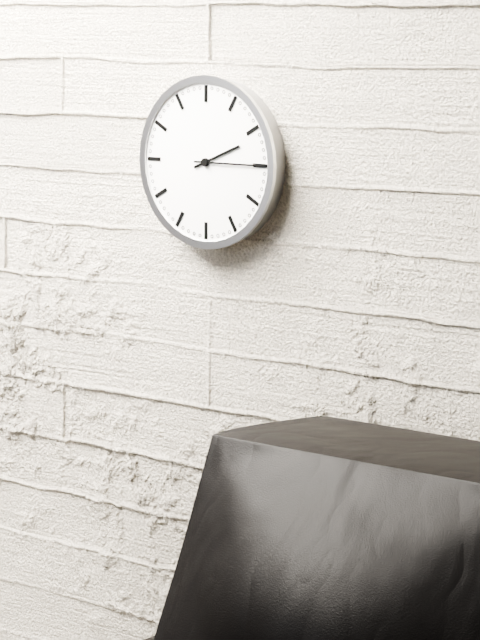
{"hour": 2, "minute": 15}
